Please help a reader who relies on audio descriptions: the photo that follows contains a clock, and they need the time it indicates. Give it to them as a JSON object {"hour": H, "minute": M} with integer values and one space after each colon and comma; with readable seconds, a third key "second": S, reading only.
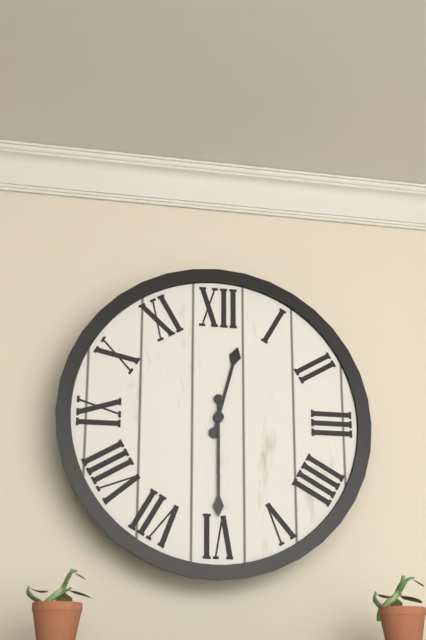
{"hour": 12, "minute": 30}
